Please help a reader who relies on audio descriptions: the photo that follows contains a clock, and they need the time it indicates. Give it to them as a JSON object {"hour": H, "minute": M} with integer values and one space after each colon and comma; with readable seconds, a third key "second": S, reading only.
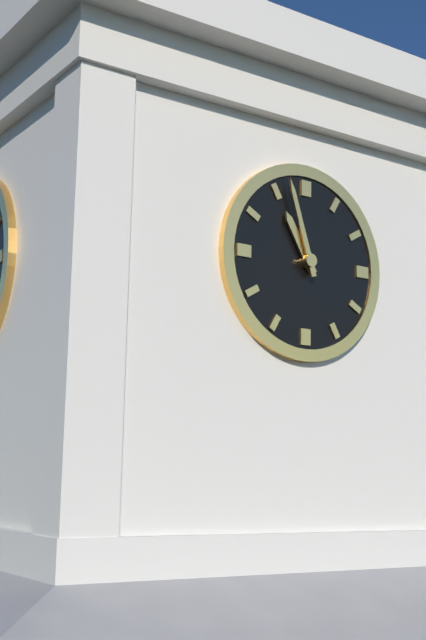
{"hour": 10, "minute": 57}
